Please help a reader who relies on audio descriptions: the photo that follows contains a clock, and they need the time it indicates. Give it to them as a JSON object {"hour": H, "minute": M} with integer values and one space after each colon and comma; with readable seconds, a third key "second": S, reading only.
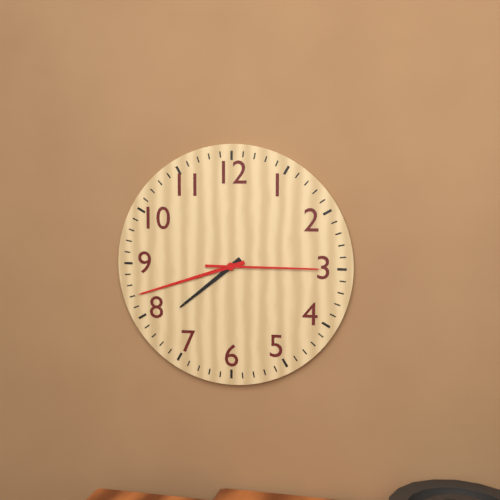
{"hour": 7, "minute": 42, "second": 15}
